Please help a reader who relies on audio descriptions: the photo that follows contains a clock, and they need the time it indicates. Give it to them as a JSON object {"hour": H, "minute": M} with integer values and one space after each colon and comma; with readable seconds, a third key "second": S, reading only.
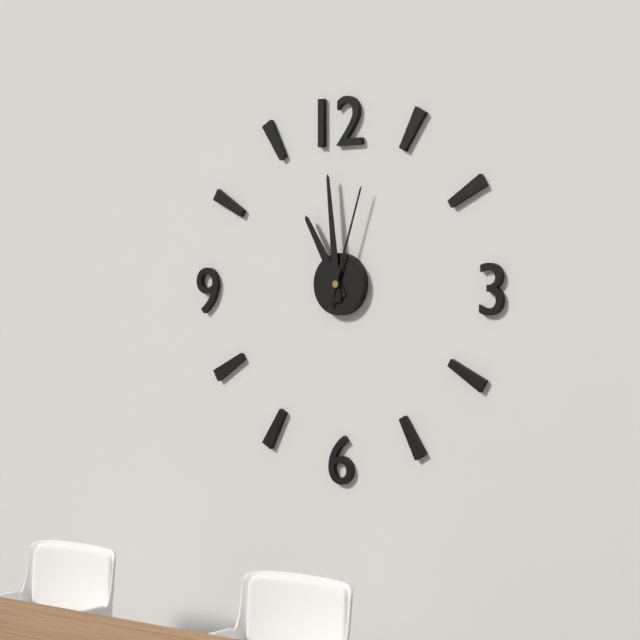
{"hour": 10, "minute": 59, "second": 3}
